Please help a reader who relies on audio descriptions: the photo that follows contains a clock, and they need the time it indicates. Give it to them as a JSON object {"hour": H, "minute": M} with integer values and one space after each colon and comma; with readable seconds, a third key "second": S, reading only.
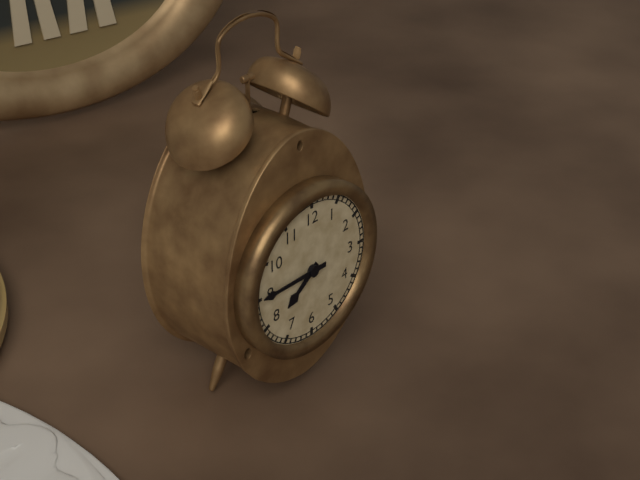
{"hour": 7, "minute": 45}
